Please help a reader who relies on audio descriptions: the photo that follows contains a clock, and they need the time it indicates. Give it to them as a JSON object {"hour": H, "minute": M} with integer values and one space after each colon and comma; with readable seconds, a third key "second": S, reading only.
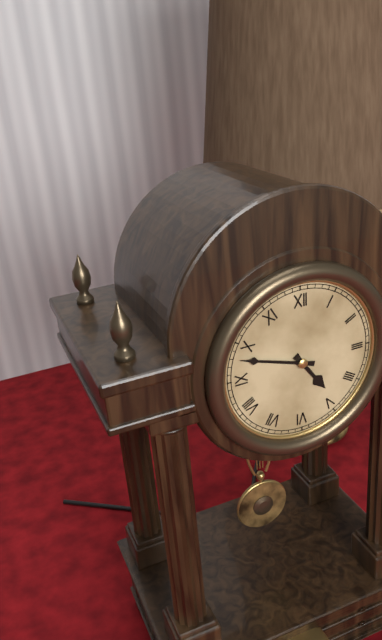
{"hour": 4, "minute": 48}
